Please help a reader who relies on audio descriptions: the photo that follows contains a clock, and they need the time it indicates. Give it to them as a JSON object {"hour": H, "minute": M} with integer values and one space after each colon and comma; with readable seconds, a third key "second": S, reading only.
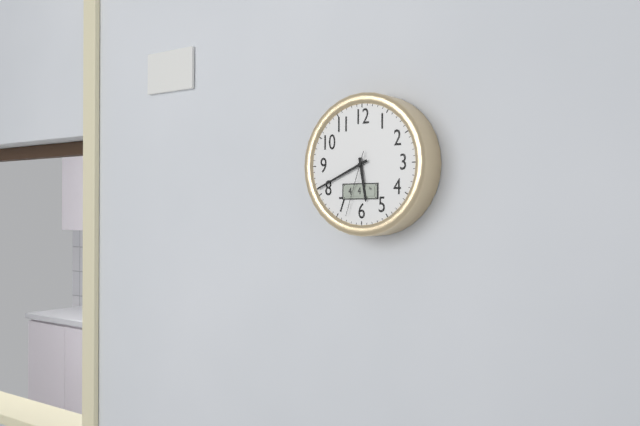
{"hour": 5, "minute": 41, "second": 33}
